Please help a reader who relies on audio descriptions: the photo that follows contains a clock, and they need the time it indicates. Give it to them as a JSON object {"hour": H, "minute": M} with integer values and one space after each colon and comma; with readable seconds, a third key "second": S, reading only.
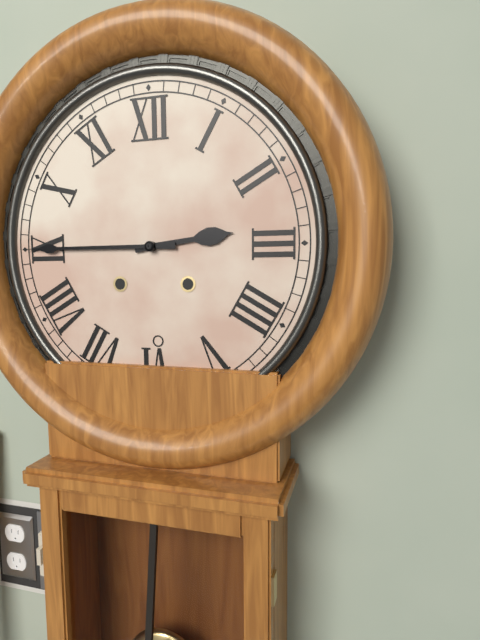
{"hour": 2, "minute": 45}
